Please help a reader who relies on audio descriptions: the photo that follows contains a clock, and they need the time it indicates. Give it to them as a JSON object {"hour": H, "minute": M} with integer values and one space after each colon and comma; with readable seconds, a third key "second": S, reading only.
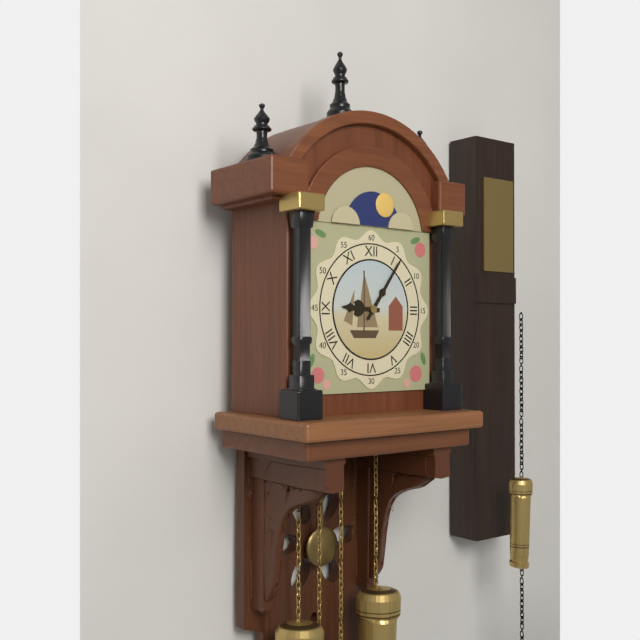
{"hour": 9, "minute": 6}
